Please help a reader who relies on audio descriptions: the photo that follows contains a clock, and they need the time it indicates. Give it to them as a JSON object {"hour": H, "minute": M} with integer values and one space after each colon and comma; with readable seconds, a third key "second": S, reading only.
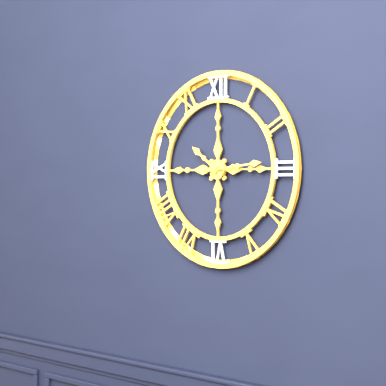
{"hour": 10, "minute": 14}
